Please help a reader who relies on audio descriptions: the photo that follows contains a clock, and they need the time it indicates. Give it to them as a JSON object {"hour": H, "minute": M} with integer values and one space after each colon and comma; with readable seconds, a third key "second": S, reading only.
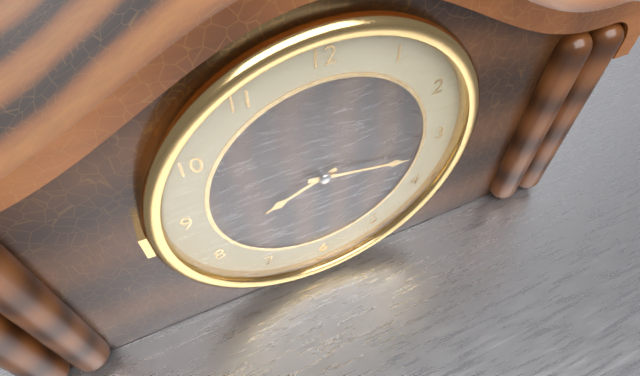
{"hour": 8, "minute": 17}
